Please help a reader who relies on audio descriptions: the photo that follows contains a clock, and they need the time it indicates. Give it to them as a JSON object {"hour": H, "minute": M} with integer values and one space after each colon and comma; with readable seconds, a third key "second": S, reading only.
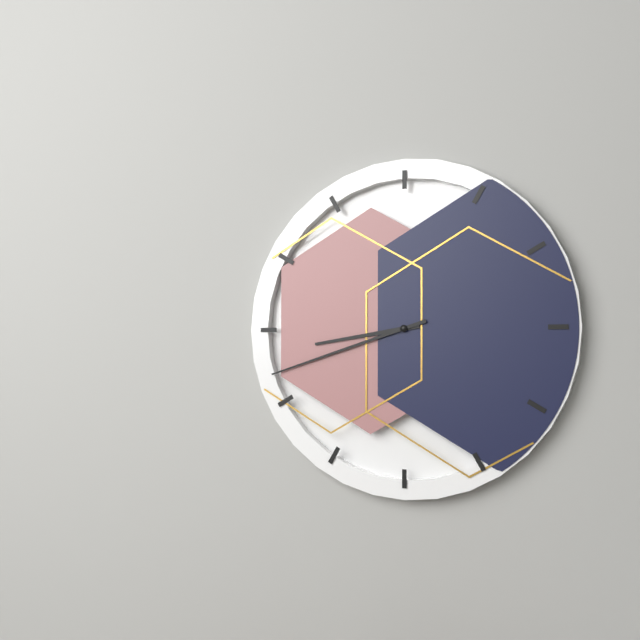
{"hour": 8, "minute": 42}
